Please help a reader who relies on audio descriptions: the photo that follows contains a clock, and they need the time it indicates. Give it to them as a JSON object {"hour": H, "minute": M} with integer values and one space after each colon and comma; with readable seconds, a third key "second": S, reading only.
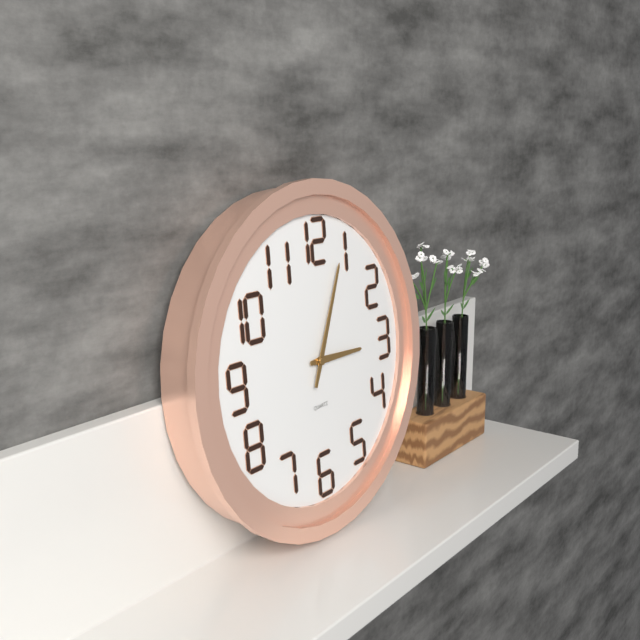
{"hour": 3, "minute": 4}
